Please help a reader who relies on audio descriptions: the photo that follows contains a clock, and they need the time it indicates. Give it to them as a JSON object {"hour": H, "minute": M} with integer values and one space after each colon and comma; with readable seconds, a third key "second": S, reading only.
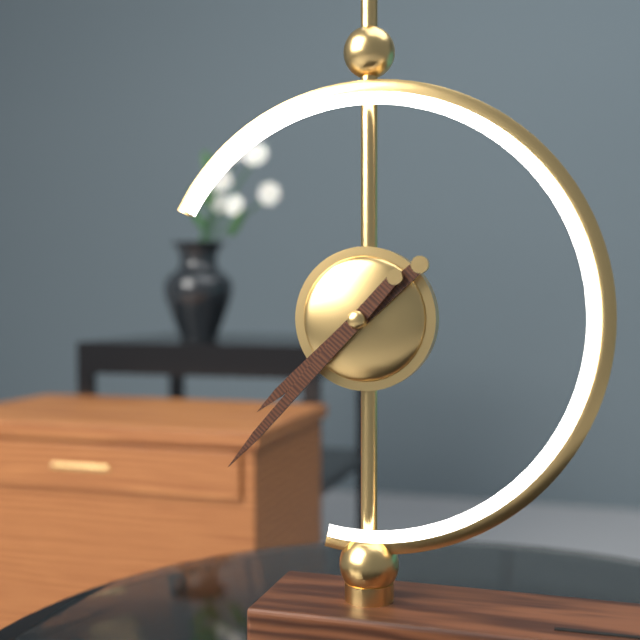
{"hour": 7, "minute": 37}
